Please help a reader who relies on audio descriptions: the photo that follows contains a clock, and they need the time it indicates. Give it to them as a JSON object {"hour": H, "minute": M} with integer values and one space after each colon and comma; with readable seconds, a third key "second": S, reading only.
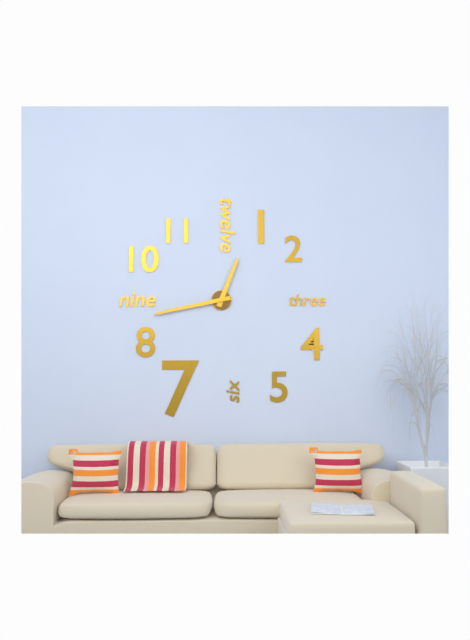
{"hour": 12, "minute": 43}
